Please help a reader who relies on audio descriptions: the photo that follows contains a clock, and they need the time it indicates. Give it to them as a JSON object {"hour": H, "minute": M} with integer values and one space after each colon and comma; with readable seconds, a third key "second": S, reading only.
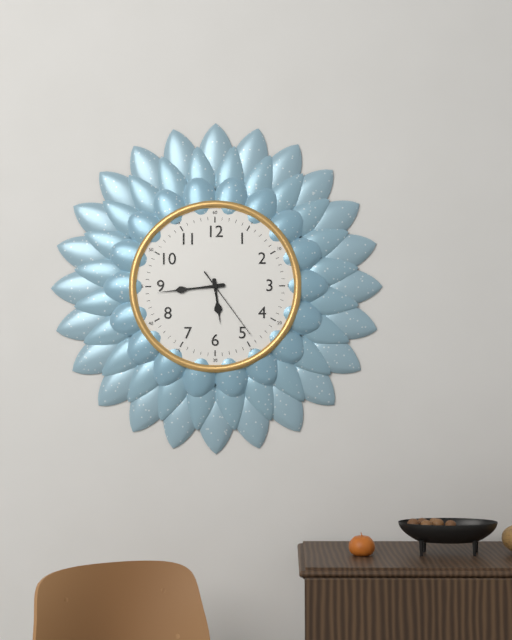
{"hour": 5, "minute": 44, "second": 24}
